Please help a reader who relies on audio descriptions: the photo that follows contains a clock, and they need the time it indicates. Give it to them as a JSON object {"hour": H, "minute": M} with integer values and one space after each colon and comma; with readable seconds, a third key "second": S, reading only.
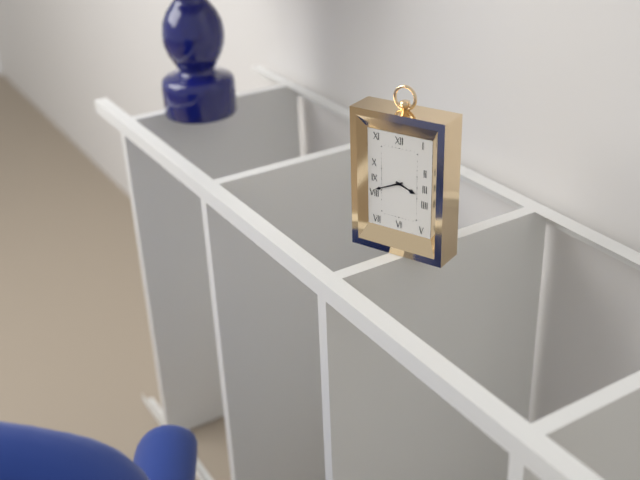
{"hour": 3, "minute": 41}
